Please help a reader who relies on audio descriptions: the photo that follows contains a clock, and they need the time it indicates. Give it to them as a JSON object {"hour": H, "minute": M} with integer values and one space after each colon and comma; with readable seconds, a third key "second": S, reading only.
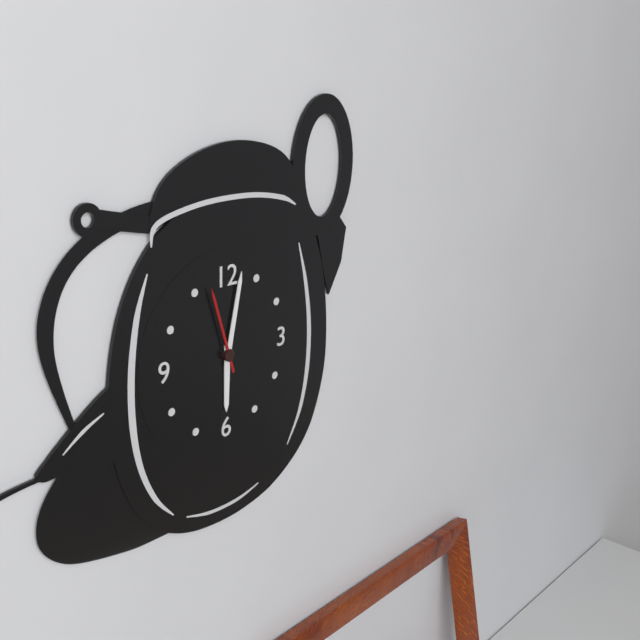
{"hour": 6, "minute": 2, "second": 57}
